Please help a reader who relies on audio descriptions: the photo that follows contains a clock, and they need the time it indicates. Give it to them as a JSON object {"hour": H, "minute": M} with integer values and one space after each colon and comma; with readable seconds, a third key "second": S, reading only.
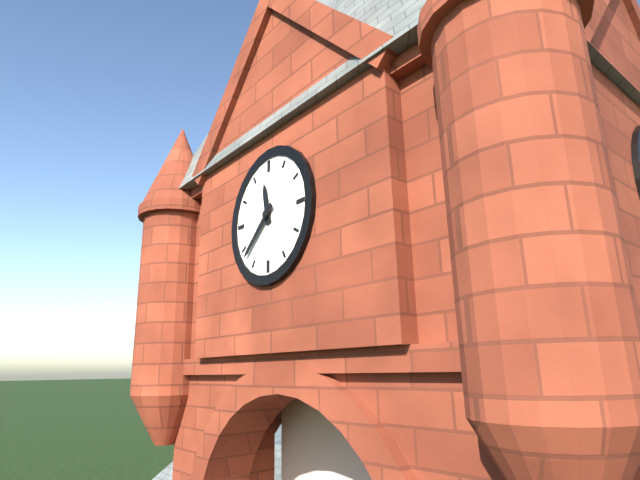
{"hour": 11, "minute": 38}
